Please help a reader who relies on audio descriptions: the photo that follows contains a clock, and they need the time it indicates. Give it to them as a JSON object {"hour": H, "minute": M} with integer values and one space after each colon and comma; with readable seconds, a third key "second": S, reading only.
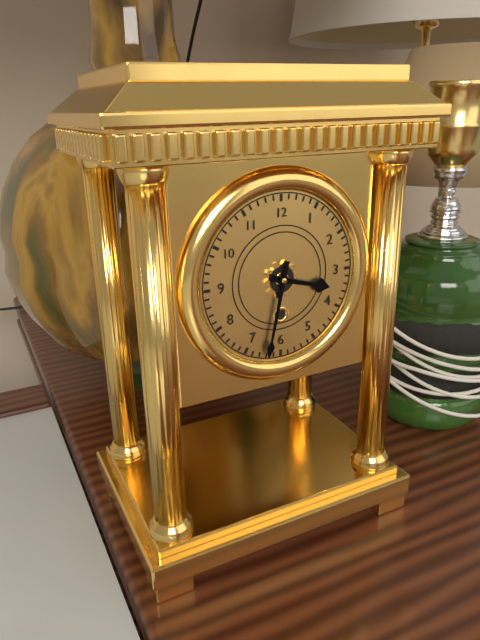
{"hour": 3, "minute": 32}
